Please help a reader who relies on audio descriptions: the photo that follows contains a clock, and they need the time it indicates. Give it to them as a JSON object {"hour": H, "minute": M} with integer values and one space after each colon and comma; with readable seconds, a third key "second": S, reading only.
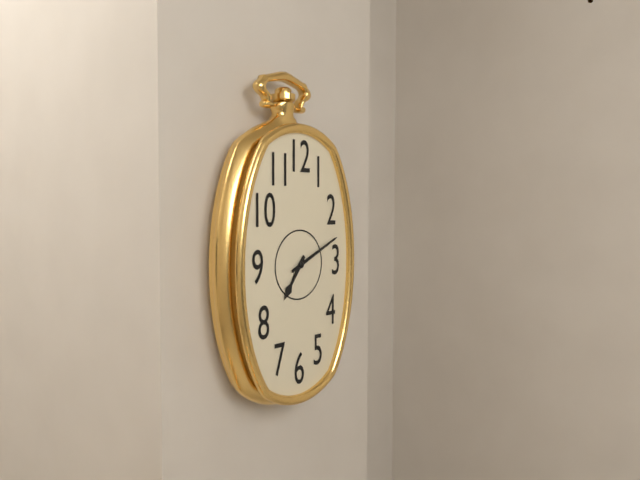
{"hour": 7, "minute": 11}
